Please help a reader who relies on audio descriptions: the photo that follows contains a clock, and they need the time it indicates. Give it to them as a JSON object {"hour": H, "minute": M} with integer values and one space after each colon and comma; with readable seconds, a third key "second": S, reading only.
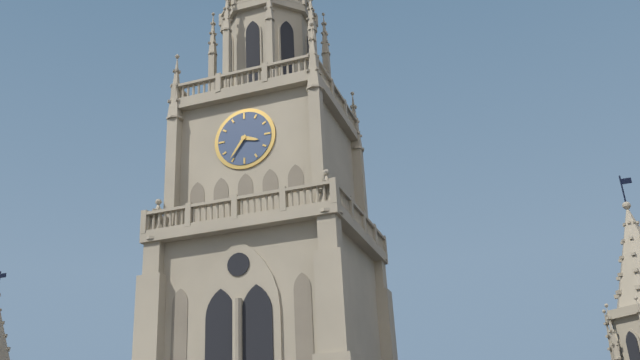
{"hour": 3, "minute": 36}
